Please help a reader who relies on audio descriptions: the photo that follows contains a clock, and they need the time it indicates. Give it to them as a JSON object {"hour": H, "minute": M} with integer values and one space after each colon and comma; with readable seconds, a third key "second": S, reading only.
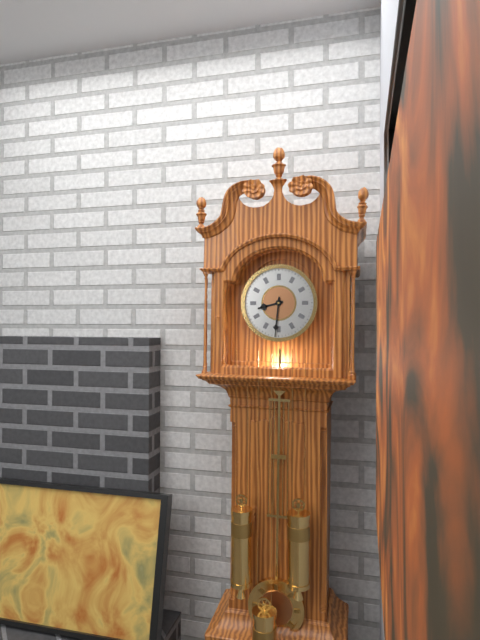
{"hour": 8, "minute": 31}
